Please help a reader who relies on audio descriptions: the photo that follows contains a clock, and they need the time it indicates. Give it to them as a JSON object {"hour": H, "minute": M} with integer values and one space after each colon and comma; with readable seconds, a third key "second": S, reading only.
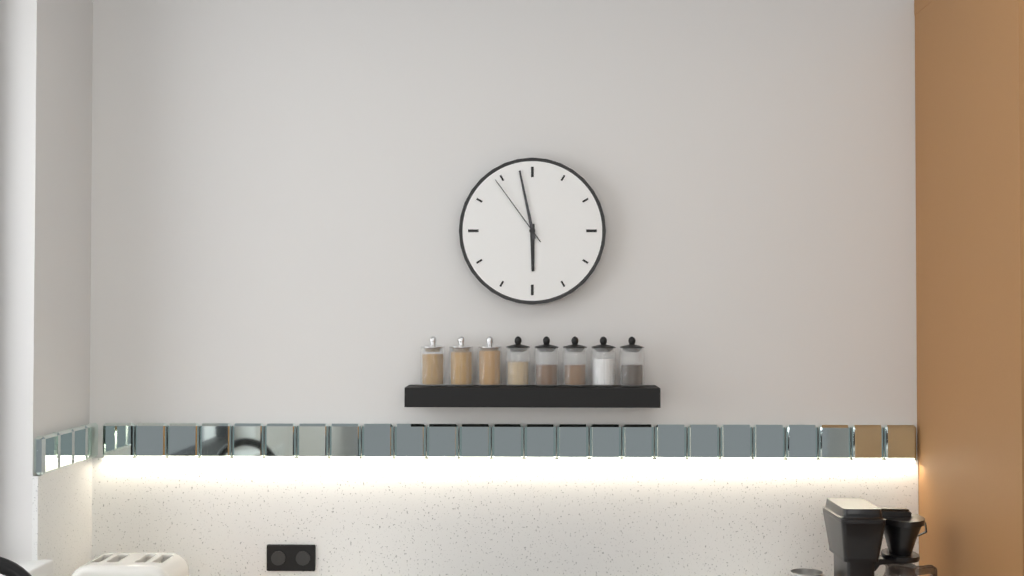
{"hour": 5, "minute": 58, "second": 54}
